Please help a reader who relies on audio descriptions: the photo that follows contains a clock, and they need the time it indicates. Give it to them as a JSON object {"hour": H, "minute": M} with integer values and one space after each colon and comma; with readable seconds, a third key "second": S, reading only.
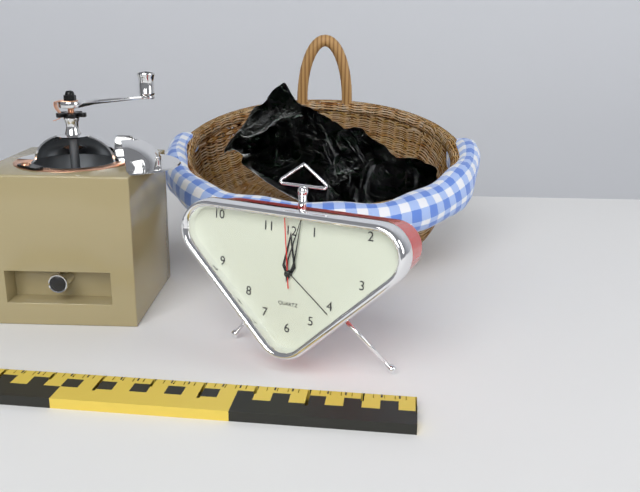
{"hour": 12, "minute": 2, "second": 59}
